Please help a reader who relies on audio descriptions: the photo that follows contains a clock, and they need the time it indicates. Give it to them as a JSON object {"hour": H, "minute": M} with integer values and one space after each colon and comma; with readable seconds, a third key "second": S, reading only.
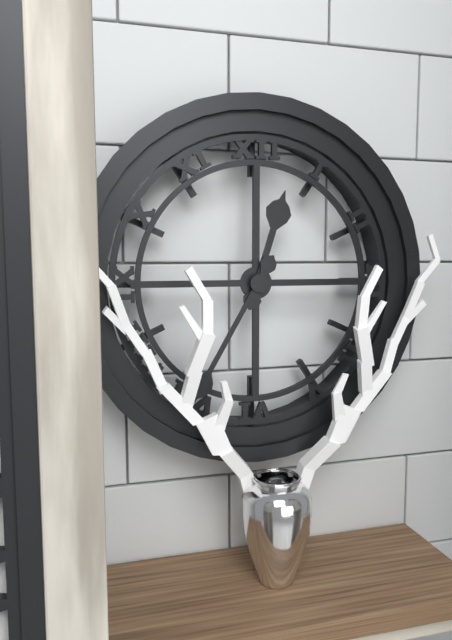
{"hour": 12, "minute": 35}
